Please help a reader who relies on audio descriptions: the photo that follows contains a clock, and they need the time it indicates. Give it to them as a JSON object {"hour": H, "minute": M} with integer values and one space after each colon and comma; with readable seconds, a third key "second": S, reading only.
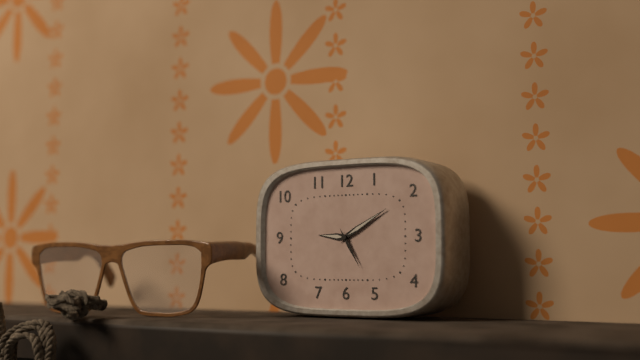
{"hour": 9, "minute": 10}
